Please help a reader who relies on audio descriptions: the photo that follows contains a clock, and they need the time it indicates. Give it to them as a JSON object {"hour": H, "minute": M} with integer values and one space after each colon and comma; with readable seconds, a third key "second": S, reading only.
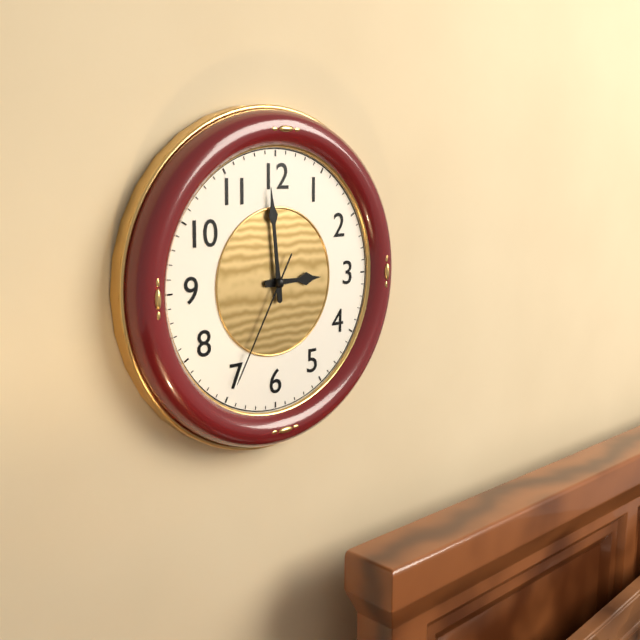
{"hour": 2, "minute": 59, "second": 35}
